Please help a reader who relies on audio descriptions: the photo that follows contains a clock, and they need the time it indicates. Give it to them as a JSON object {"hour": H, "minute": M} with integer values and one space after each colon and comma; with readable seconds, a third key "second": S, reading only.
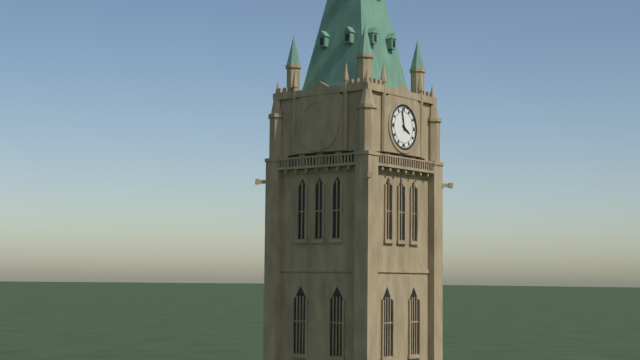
{"hour": 3, "minute": 58}
